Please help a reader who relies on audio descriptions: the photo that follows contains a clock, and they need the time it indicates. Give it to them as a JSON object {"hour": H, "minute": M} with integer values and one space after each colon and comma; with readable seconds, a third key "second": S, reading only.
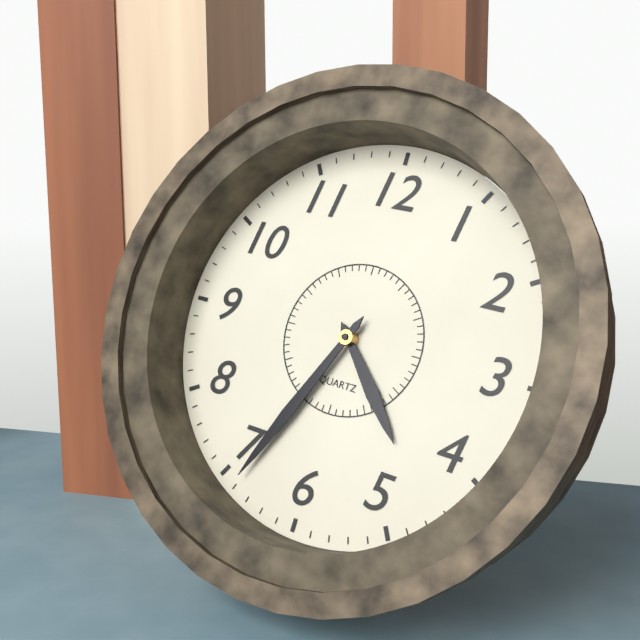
{"hour": 4, "minute": 34}
